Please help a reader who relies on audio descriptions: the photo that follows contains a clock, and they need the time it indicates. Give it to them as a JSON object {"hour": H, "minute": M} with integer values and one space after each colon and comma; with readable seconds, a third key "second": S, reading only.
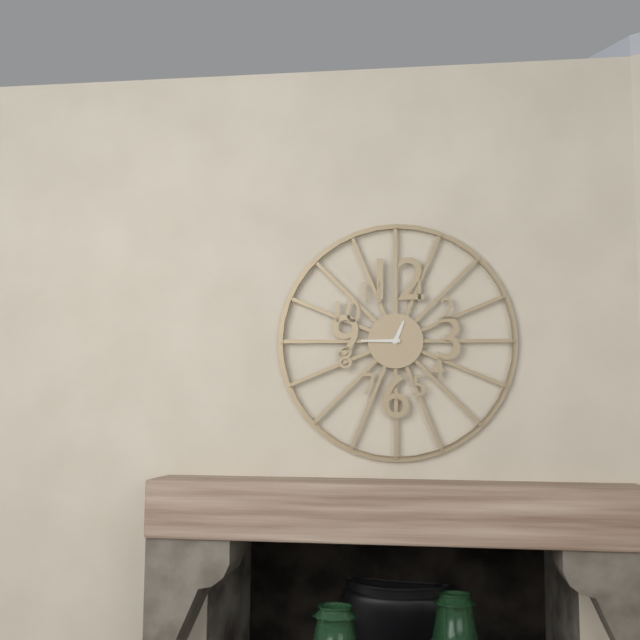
{"hour": 12, "minute": 45}
